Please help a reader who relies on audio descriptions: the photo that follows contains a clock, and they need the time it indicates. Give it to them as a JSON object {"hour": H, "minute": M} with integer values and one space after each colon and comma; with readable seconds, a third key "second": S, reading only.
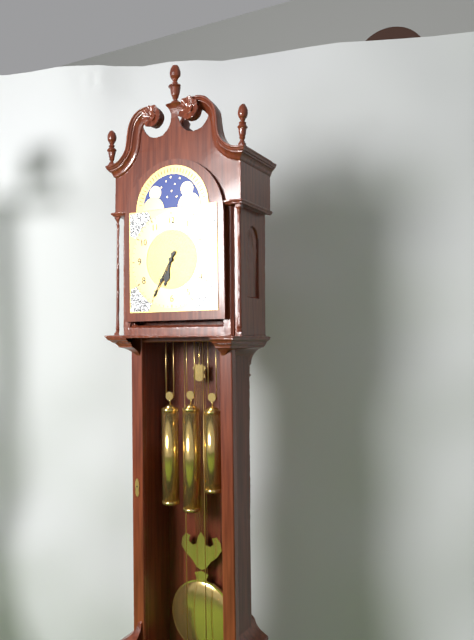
{"hour": 6, "minute": 35}
